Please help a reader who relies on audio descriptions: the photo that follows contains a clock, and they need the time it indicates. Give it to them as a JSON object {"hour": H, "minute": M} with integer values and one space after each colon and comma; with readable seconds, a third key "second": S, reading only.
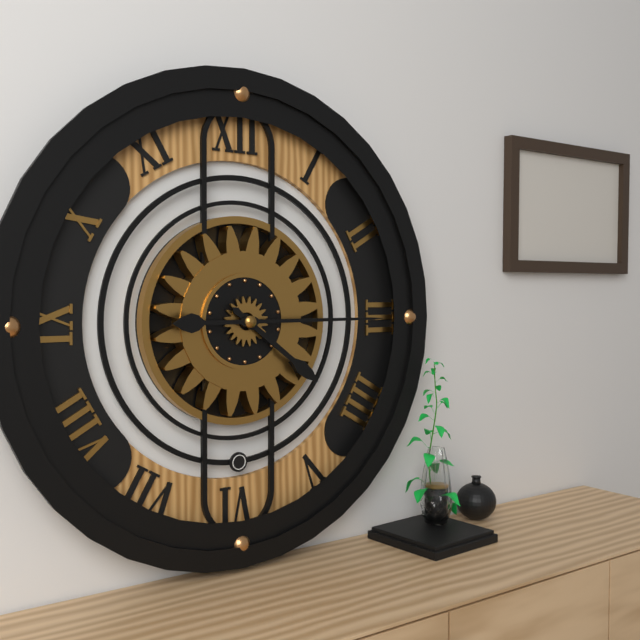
{"hour": 4, "minute": 15}
